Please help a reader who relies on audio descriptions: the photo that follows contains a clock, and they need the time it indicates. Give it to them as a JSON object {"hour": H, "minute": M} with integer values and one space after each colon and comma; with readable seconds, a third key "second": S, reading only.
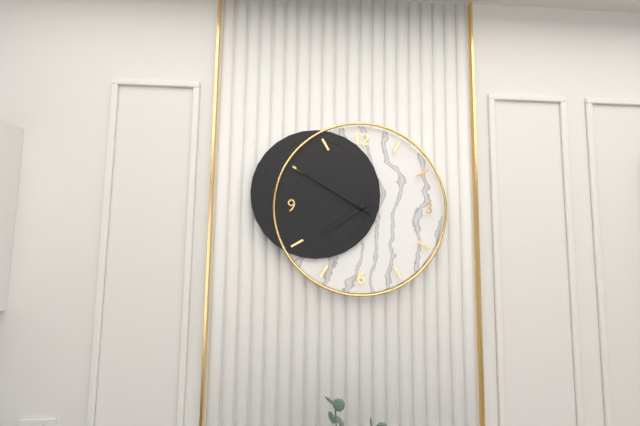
{"hour": 7, "minute": 50}
